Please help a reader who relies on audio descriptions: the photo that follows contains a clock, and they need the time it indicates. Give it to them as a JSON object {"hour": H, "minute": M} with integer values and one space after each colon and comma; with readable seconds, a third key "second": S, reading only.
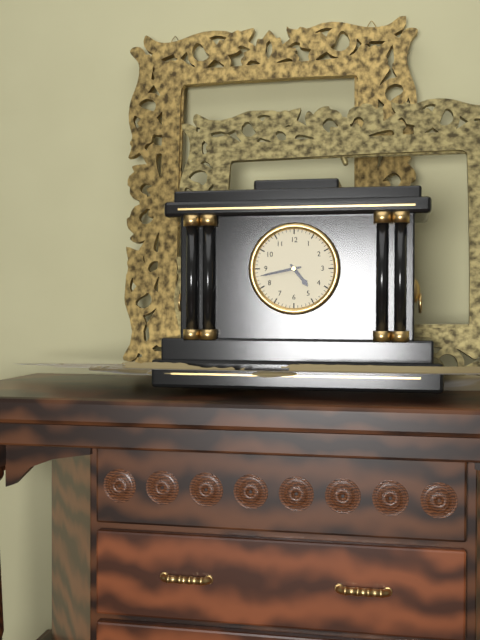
{"hour": 4, "minute": 43}
